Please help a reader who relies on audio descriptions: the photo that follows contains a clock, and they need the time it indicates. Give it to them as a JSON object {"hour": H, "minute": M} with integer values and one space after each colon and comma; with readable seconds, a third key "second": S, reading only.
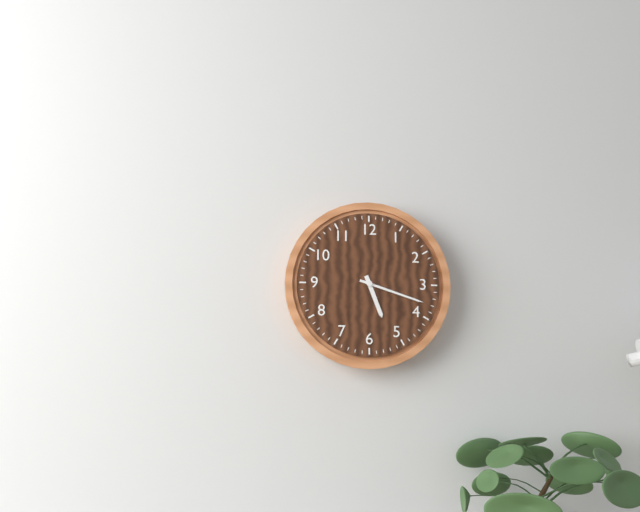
{"hour": 5, "minute": 18}
